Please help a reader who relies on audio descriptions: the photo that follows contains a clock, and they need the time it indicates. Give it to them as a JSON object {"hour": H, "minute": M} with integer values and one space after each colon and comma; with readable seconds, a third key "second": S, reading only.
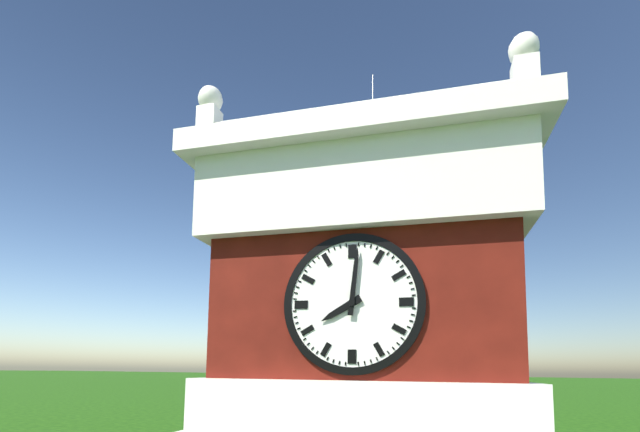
{"hour": 8, "minute": 1}
